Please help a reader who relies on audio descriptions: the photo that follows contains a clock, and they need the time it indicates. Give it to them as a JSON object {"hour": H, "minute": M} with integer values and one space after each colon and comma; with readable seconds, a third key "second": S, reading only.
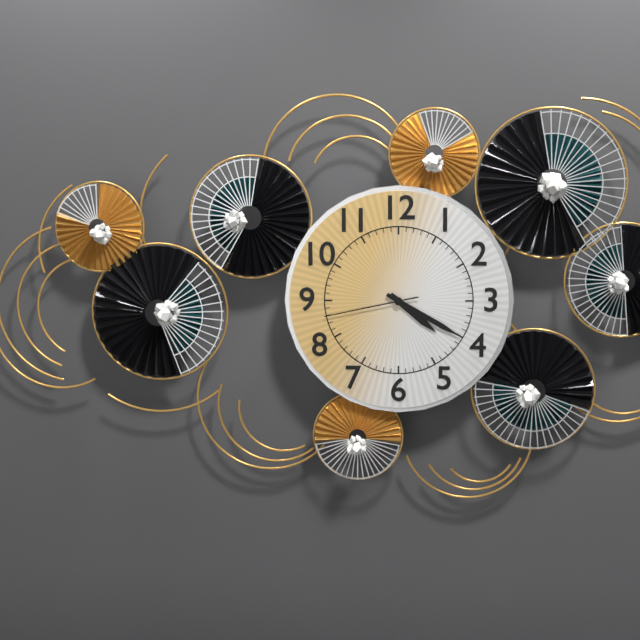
{"hour": 4, "minute": 20, "second": 43}
